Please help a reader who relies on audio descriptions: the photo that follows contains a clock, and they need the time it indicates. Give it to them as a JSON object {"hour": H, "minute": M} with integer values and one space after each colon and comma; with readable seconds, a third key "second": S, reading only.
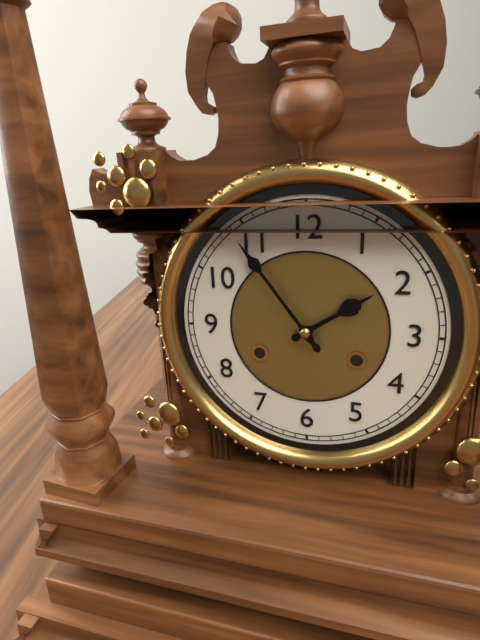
{"hour": 1, "minute": 54}
